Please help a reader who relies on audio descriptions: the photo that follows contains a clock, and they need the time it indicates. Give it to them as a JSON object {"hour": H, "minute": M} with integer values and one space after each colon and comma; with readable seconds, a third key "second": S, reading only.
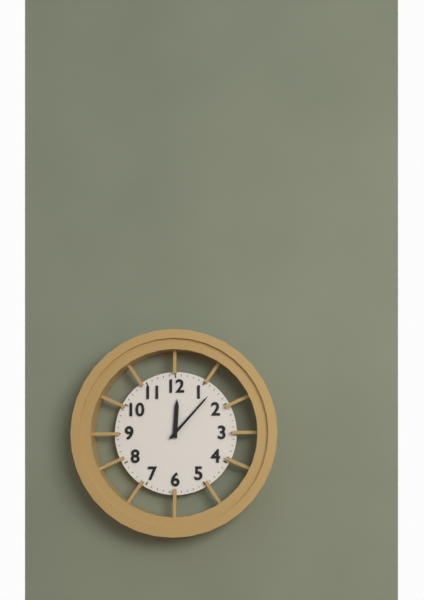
{"hour": 12, "minute": 7}
